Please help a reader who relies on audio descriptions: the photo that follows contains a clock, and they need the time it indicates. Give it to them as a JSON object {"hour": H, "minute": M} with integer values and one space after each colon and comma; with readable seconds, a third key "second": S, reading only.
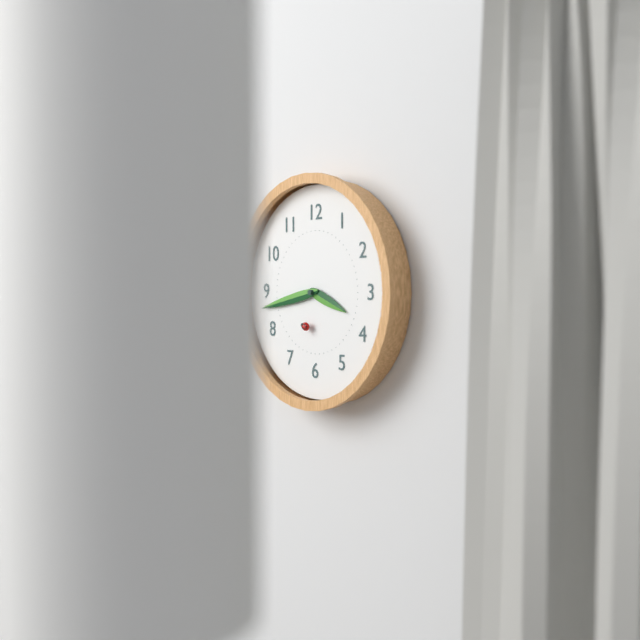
{"hour": 3, "minute": 43, "second": 32}
